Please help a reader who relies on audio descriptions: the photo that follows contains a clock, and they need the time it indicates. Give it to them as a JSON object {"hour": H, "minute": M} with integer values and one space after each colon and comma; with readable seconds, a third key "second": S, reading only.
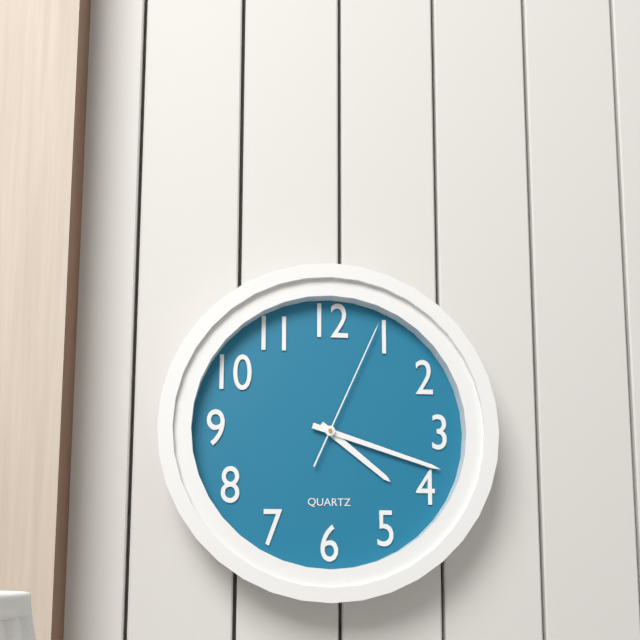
{"hour": 4, "minute": 18, "second": 4}
